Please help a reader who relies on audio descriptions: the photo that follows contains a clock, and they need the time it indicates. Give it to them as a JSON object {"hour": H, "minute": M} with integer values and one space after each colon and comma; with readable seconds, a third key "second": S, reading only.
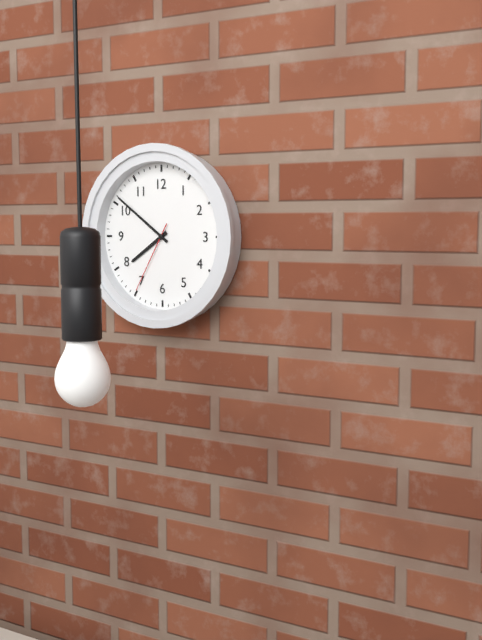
{"hour": 7, "minute": 51, "second": 35}
